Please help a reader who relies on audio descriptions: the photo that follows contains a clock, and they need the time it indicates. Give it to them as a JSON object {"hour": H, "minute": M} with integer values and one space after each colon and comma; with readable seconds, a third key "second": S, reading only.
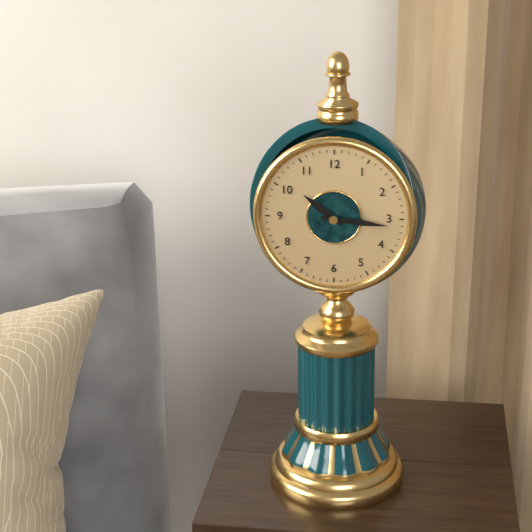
{"hour": 10, "minute": 16}
